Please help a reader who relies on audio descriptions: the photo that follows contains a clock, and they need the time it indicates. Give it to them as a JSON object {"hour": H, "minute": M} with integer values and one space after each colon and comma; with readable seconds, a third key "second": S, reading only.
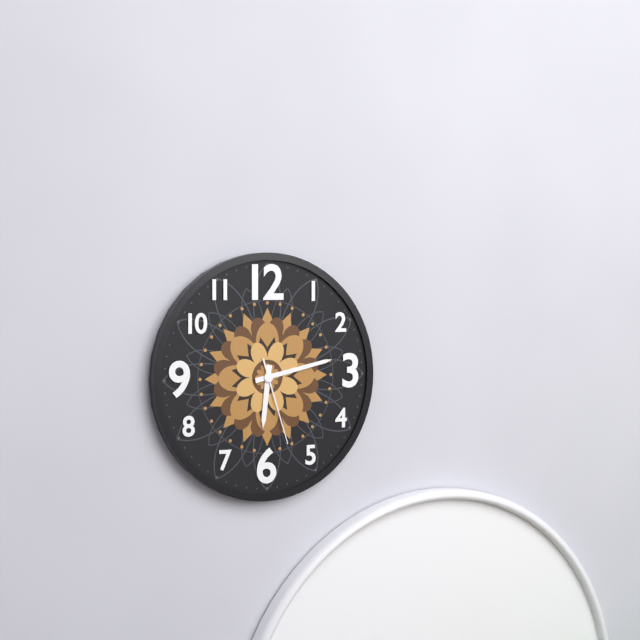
{"hour": 6, "minute": 13, "second": 27}
